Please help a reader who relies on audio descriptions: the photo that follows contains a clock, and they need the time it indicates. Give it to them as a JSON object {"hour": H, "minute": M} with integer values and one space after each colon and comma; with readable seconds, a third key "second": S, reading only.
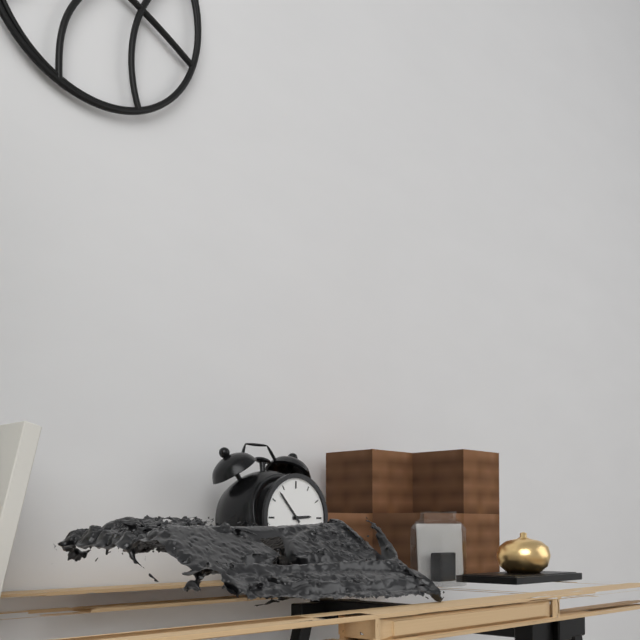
{"hour": 2, "minute": 53}
